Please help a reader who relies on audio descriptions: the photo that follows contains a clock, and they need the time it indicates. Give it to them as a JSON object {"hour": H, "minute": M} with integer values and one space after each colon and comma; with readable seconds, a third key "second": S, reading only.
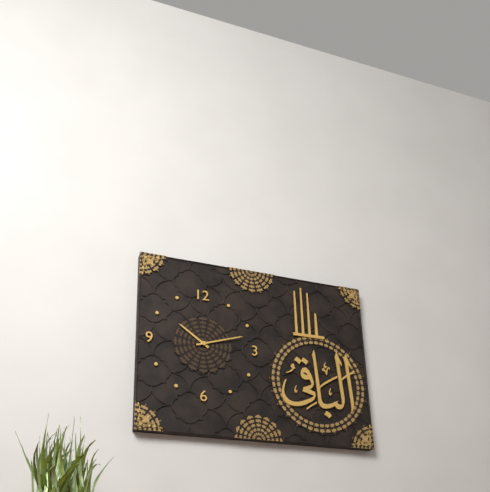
{"hour": 10, "minute": 12}
